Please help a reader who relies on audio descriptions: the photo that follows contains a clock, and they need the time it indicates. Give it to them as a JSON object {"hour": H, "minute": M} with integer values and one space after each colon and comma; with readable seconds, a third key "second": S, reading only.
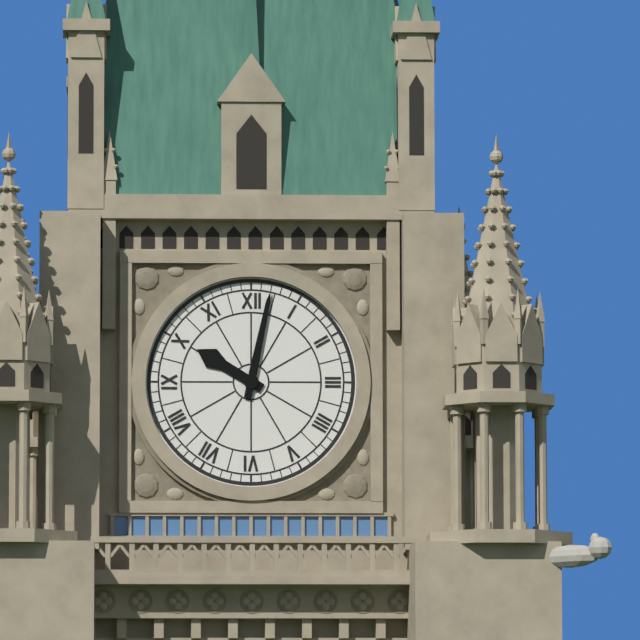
{"hour": 10, "minute": 2}
